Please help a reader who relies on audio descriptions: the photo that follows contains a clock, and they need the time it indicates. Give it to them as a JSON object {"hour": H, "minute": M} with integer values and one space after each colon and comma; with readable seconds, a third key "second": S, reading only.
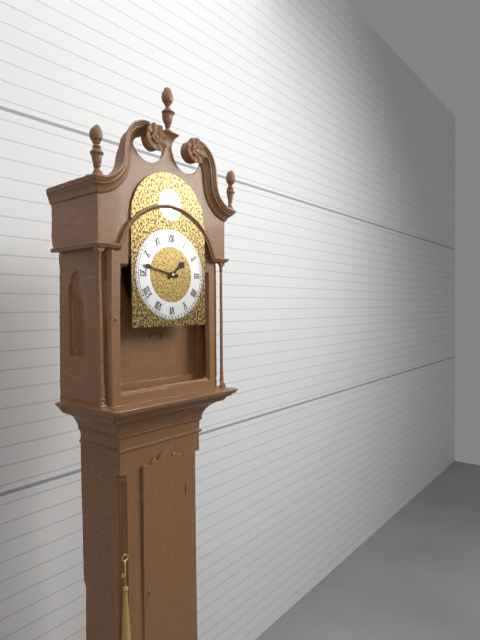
{"hour": 1, "minute": 47}
